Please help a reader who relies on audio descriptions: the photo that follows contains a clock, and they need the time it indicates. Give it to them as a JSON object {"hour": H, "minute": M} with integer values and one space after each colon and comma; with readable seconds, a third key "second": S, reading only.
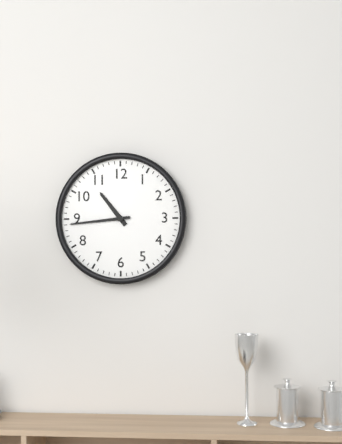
{"hour": 10, "minute": 44}
